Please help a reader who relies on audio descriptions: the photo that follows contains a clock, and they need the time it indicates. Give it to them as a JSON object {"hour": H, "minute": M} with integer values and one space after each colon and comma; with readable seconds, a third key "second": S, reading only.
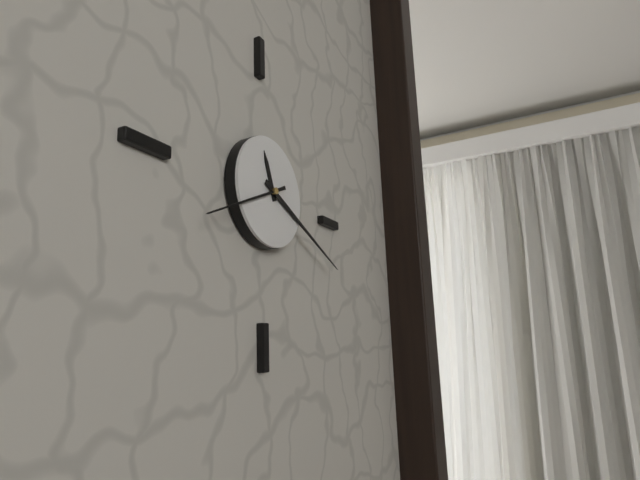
{"hour": 11, "minute": 19, "second": 41}
